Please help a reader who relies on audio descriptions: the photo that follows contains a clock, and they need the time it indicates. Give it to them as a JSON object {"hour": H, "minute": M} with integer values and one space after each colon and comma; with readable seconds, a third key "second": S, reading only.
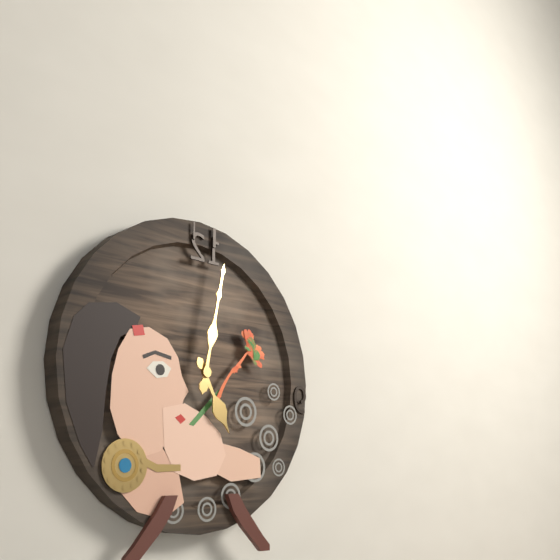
{"hour": 5, "minute": 2}
